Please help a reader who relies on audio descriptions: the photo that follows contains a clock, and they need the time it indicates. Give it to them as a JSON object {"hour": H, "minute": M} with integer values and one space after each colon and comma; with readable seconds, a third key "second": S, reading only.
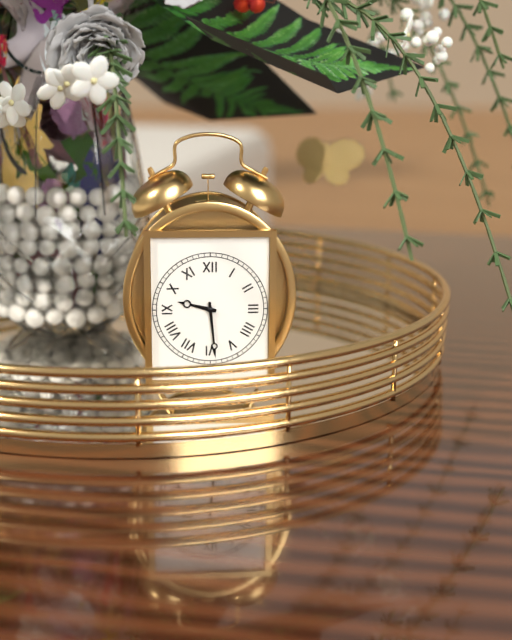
{"hour": 9, "minute": 29}
